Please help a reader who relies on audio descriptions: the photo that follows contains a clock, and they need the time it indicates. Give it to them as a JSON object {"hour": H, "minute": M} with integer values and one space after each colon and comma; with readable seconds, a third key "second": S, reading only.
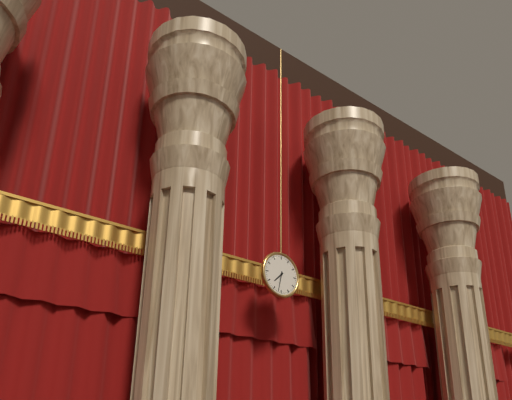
{"hour": 7, "minute": 32}
